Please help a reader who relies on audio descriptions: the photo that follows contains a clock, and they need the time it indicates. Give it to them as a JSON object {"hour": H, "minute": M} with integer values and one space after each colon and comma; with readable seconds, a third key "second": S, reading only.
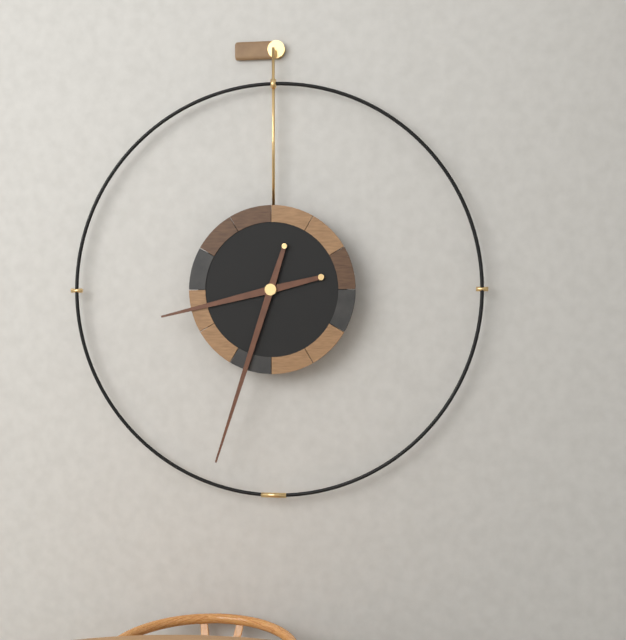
{"hour": 8, "minute": 33}
